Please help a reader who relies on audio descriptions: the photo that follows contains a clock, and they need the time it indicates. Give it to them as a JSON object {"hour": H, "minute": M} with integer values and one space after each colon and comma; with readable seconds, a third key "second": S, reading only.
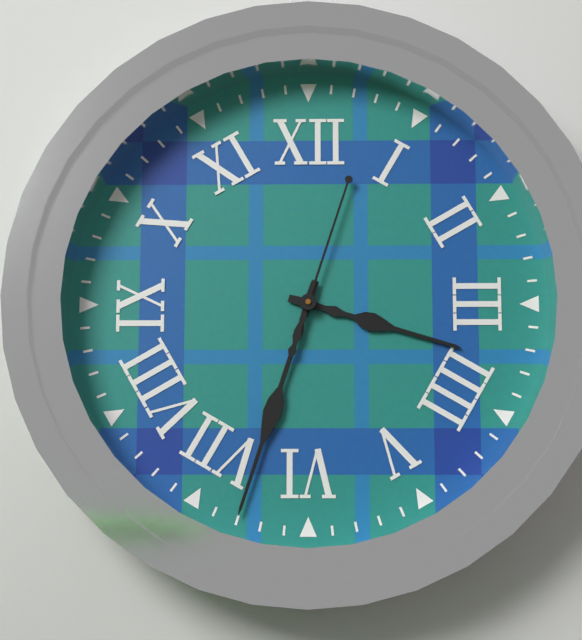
{"hour": 3, "minute": 33, "second": 3}
